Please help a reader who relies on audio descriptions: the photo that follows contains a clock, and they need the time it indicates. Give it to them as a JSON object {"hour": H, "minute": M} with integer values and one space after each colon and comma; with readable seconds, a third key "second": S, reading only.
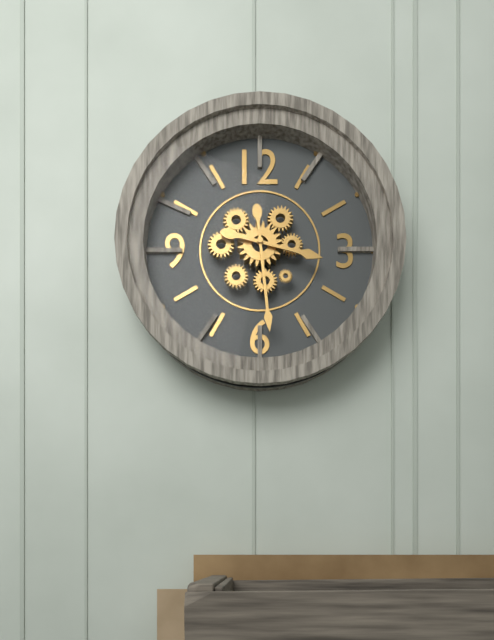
{"hour": 3, "minute": 29}
